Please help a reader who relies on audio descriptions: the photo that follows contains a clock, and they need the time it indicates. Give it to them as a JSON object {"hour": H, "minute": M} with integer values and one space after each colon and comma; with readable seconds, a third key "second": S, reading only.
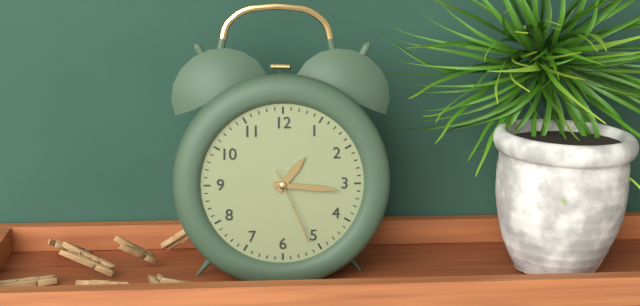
{"hour": 1, "minute": 16, "second": 26}
